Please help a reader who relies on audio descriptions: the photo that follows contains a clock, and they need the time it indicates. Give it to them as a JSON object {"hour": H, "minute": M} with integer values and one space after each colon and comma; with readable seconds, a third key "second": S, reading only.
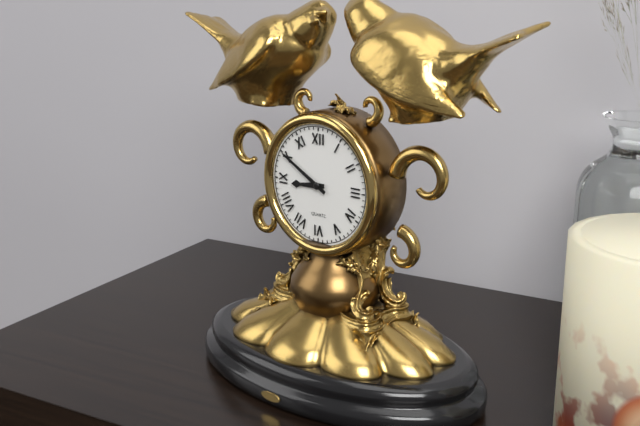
{"hour": 8, "minute": 50}
